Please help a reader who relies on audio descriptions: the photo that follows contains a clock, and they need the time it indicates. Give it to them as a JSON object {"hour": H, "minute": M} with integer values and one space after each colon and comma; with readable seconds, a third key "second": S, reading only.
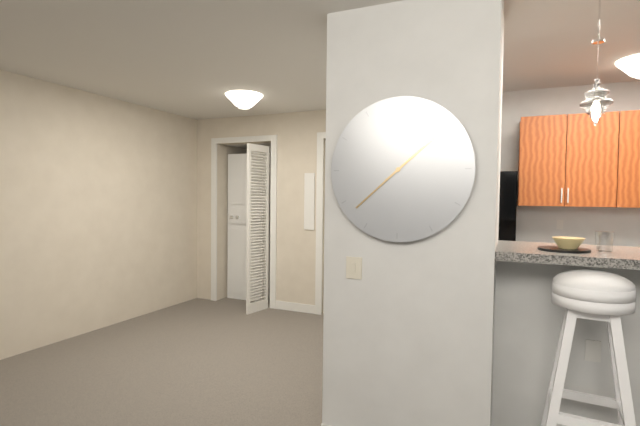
{"hour": 1, "minute": 38}
